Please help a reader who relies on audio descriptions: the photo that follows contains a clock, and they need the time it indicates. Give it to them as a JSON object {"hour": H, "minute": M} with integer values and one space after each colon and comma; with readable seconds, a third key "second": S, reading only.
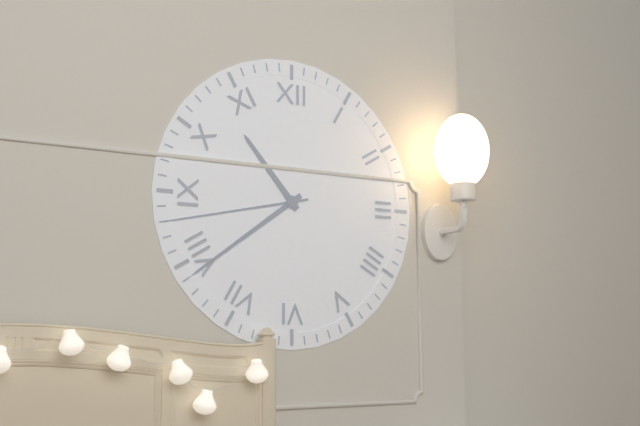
{"hour": 10, "minute": 39, "second": 43}
